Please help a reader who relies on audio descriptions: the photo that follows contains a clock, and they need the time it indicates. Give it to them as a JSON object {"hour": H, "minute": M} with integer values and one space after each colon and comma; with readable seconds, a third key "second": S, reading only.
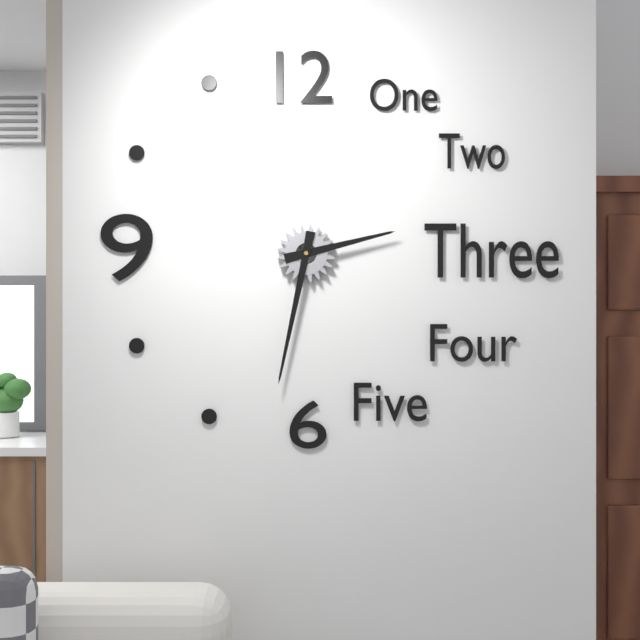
{"hour": 2, "minute": 32}
